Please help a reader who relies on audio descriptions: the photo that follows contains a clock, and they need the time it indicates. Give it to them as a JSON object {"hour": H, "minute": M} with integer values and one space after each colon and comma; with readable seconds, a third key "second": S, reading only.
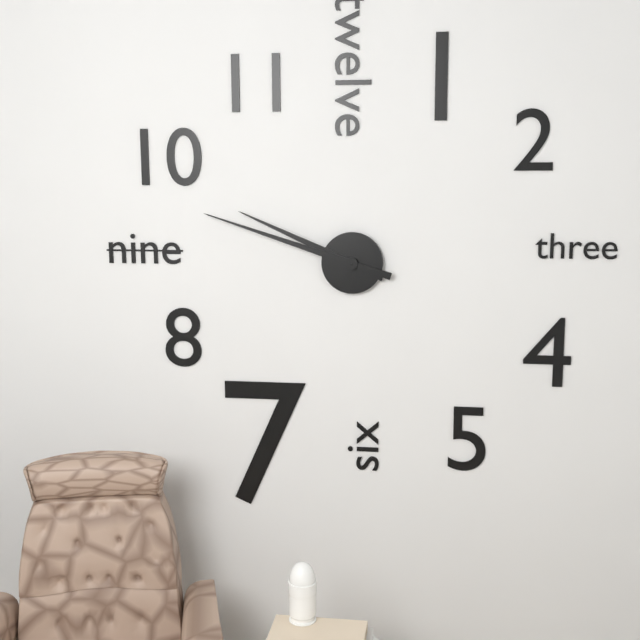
{"hour": 9, "minute": 48}
